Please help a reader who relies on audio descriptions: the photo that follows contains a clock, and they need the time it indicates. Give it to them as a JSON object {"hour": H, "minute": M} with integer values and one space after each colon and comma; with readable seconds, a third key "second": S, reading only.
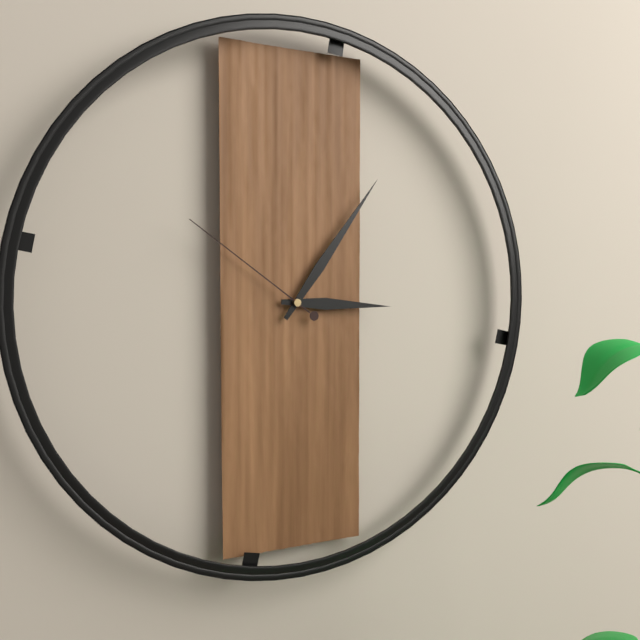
{"hour": 3, "minute": 6, "second": 51}
